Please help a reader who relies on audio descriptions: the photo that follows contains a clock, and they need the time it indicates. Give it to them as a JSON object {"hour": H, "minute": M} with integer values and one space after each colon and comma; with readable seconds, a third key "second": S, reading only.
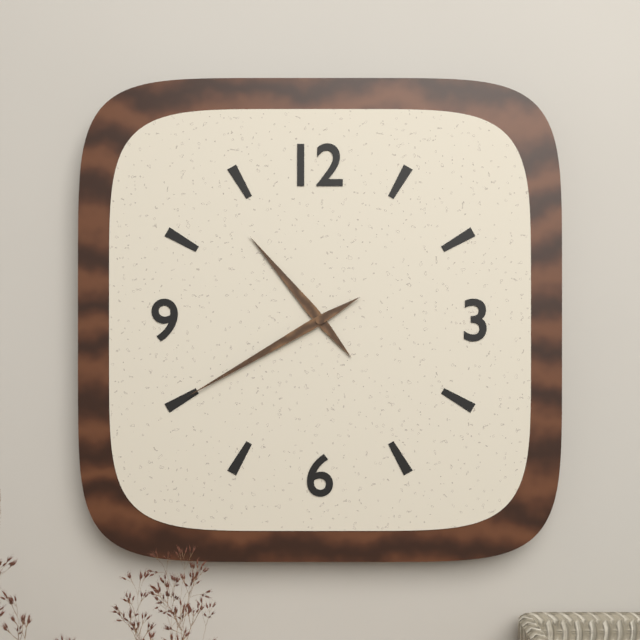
{"hour": 10, "minute": 40}
